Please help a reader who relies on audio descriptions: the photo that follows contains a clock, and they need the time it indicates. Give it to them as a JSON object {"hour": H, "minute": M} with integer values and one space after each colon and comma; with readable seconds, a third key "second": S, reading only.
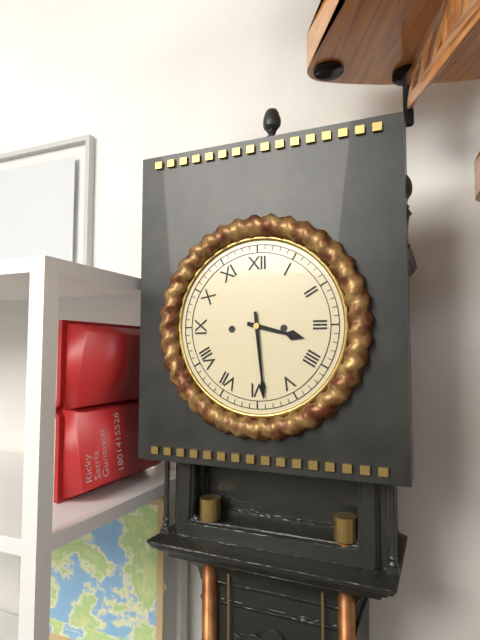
{"hour": 3, "minute": 29}
